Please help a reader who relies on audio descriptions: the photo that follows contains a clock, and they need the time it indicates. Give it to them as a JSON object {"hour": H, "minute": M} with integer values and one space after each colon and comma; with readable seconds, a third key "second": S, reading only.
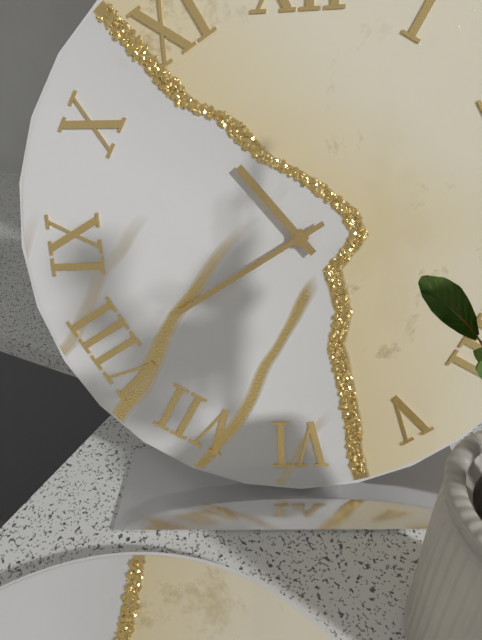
{"hour": 10, "minute": 40}
